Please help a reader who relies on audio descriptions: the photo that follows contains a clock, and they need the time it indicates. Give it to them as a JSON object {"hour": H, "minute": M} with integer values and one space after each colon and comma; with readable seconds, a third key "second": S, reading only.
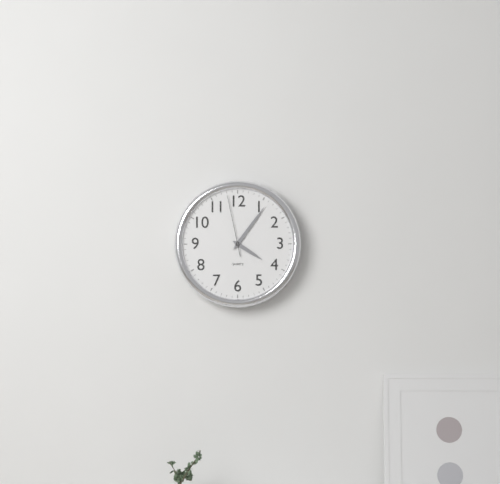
{"hour": 4, "minute": 6, "second": 58}
